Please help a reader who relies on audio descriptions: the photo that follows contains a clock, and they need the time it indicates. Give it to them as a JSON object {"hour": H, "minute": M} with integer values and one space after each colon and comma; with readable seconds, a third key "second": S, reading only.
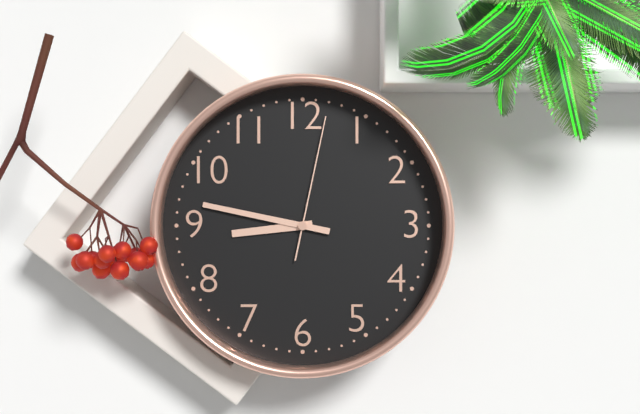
{"hour": 8, "minute": 47, "second": 2}
